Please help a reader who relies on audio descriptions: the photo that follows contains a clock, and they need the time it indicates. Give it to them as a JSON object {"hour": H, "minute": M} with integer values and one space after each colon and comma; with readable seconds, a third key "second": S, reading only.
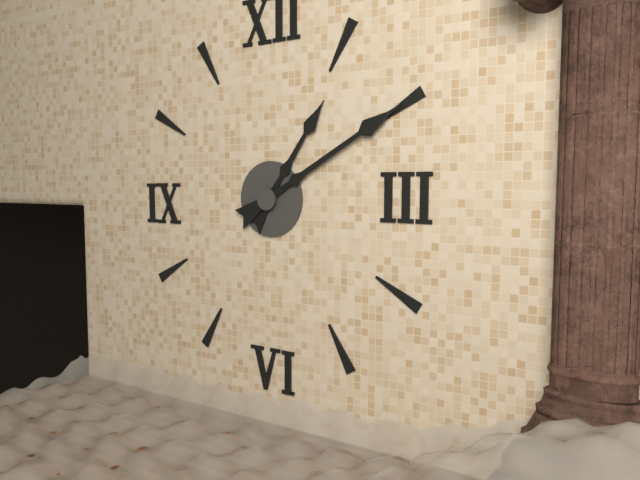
{"hour": 1, "minute": 10}
